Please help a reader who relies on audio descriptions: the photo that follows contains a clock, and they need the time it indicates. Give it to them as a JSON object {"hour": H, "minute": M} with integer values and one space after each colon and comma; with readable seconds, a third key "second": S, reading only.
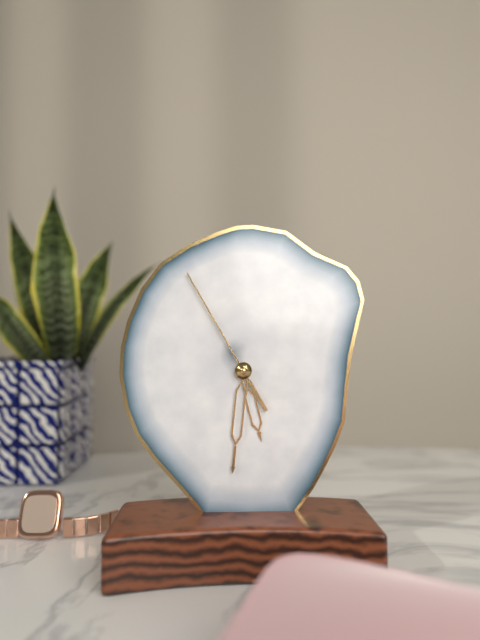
{"hour": 5, "minute": 31, "second": 55}
